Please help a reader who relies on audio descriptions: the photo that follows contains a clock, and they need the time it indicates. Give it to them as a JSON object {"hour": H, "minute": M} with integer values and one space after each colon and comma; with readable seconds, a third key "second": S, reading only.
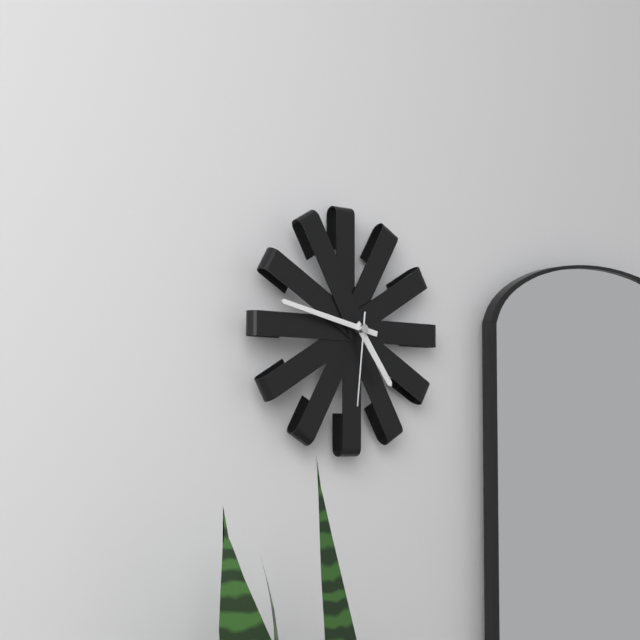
{"hour": 4, "minute": 47, "second": 31}
